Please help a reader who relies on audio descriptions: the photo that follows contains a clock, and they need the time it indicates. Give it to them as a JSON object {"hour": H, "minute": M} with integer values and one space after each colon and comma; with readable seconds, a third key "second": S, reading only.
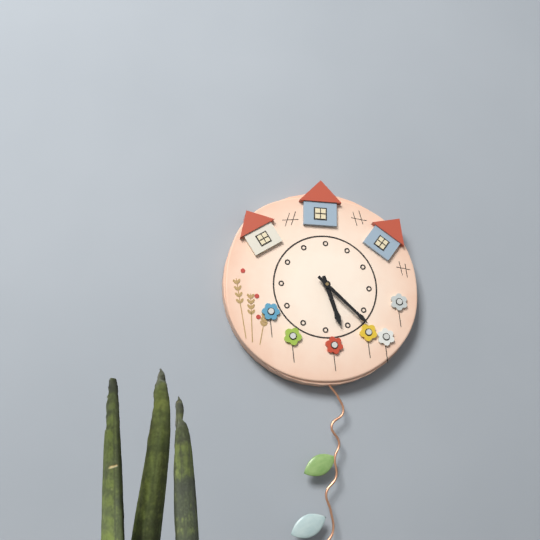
{"hour": 5, "minute": 22}
